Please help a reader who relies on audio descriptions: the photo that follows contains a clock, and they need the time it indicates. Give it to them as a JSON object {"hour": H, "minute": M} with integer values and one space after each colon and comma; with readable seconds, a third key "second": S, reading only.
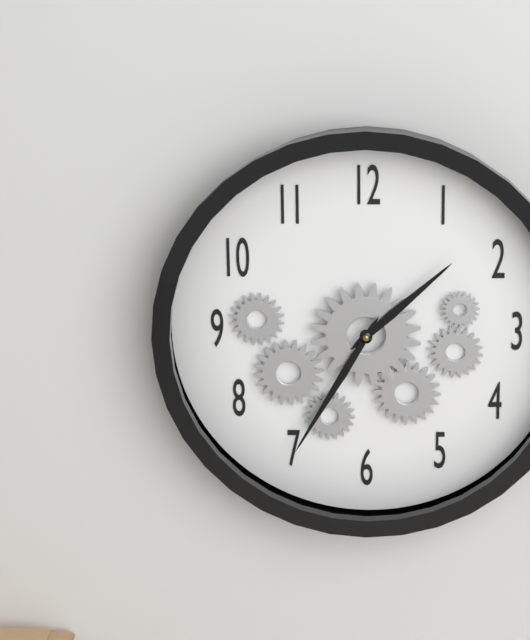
{"hour": 1, "minute": 35}
